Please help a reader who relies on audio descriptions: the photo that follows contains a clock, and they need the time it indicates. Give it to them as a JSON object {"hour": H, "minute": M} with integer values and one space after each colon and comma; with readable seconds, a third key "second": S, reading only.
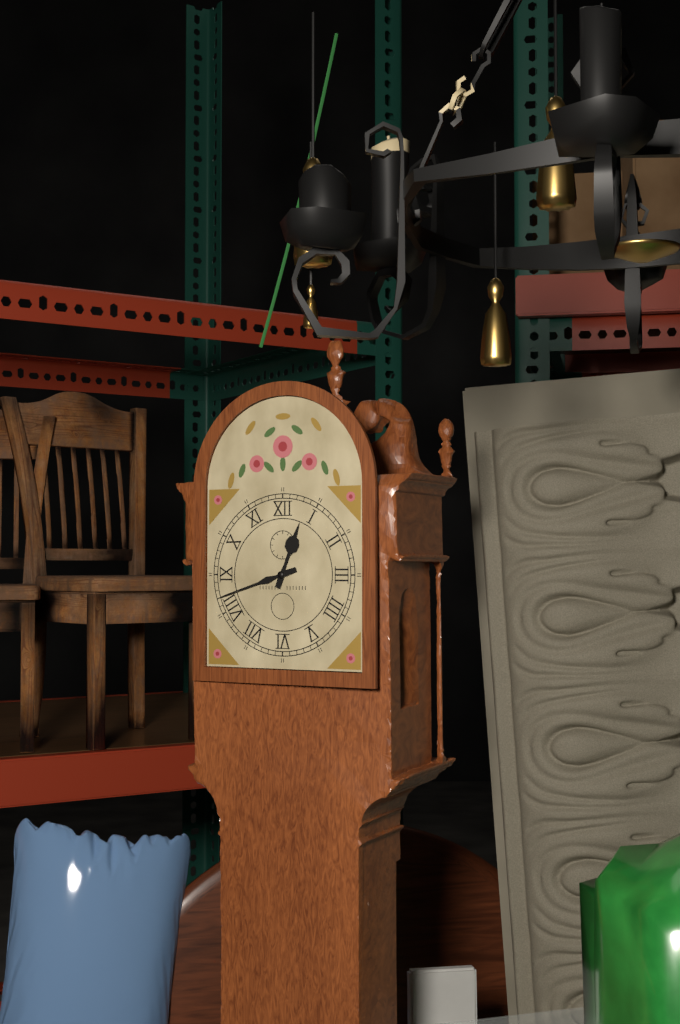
{"hour": 12, "minute": 42}
